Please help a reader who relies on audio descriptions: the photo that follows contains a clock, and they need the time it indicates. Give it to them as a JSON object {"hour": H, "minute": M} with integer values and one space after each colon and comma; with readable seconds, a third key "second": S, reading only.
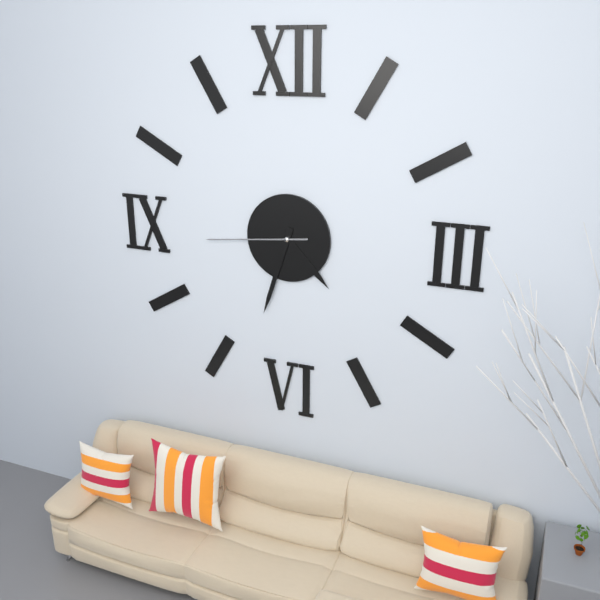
{"hour": 4, "minute": 33, "second": 44}
